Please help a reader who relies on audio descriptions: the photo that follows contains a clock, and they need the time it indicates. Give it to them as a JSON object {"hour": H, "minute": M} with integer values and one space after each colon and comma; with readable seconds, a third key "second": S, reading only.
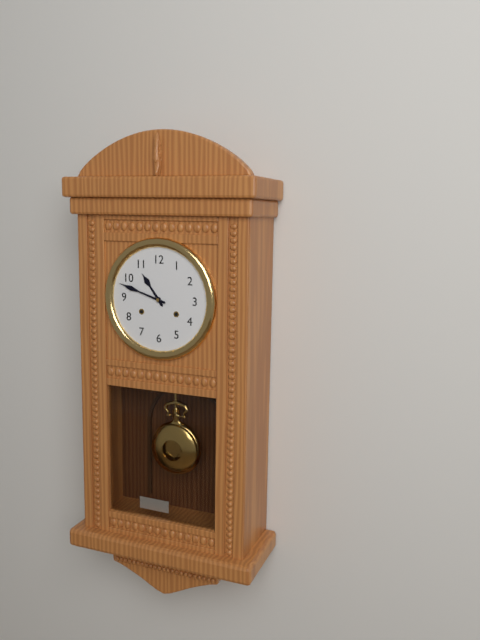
{"hour": 10, "minute": 48}
